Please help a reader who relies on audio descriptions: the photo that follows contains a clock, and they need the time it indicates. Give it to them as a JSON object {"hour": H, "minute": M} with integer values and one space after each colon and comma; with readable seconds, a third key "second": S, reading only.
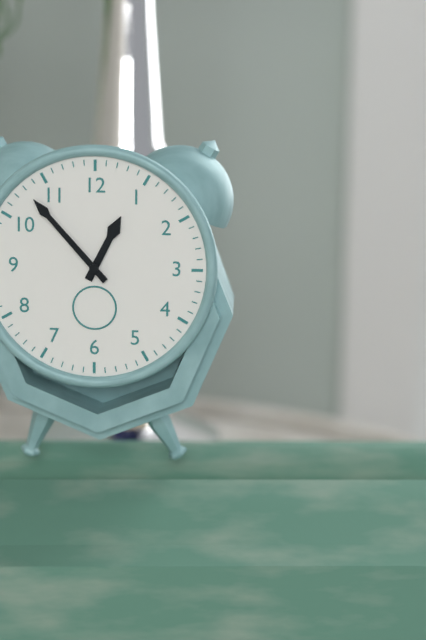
{"hour": 12, "minute": 53}
